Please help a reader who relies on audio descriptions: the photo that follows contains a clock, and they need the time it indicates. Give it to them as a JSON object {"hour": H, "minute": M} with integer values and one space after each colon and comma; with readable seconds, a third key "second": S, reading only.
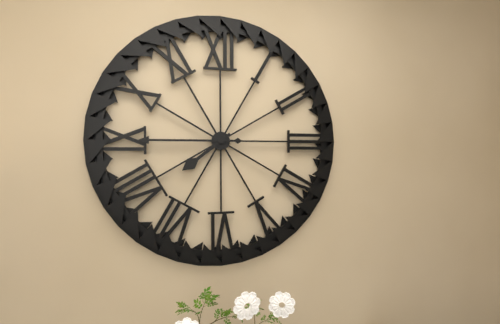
{"hour": 7, "minute": 45}
